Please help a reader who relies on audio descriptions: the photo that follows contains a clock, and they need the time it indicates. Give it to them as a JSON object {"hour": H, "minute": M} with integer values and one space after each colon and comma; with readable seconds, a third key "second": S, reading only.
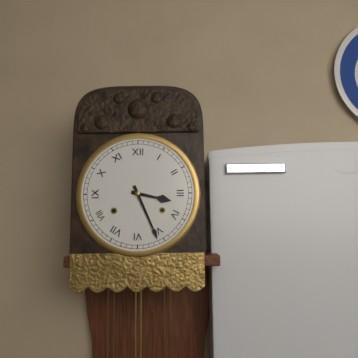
{"hour": 3, "minute": 26}
